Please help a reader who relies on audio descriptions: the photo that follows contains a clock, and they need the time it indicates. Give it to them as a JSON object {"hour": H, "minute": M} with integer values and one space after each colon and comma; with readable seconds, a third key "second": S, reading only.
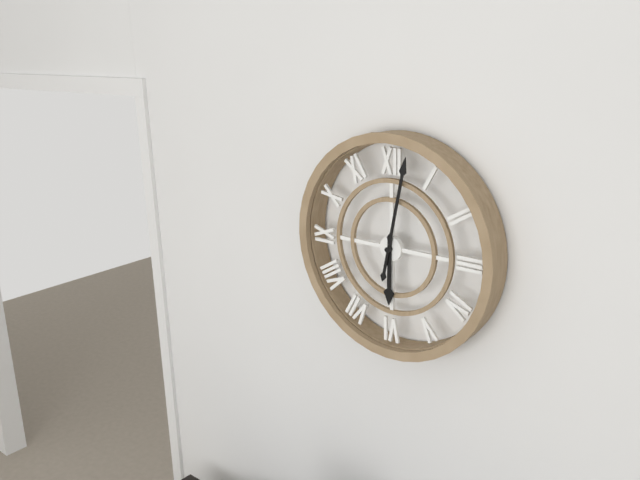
{"hour": 6, "minute": 2}
